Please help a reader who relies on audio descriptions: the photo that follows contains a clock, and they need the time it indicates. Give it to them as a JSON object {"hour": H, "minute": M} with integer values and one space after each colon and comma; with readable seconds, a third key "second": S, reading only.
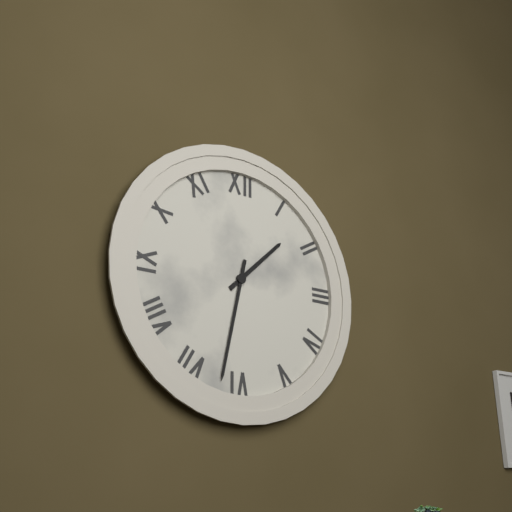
{"hour": 1, "minute": 32}
